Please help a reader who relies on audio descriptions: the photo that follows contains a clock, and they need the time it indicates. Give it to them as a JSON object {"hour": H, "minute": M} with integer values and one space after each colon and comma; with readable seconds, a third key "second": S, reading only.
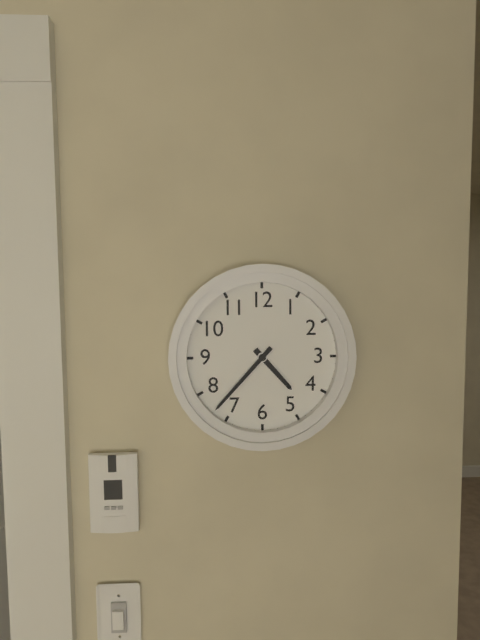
{"hour": 4, "minute": 37}
